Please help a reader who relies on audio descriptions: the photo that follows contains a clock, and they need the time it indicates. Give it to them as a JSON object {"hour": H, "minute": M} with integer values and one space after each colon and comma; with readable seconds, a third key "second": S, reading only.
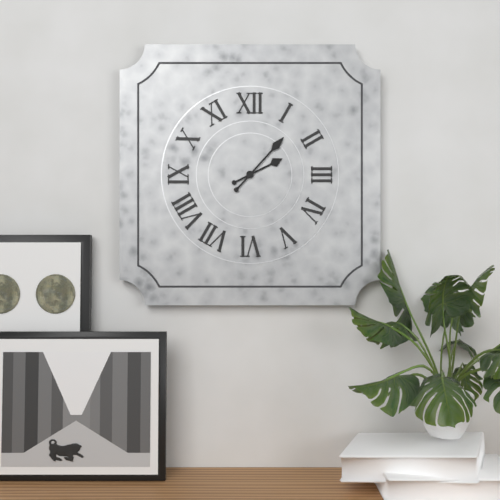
{"hour": 2, "minute": 7}
